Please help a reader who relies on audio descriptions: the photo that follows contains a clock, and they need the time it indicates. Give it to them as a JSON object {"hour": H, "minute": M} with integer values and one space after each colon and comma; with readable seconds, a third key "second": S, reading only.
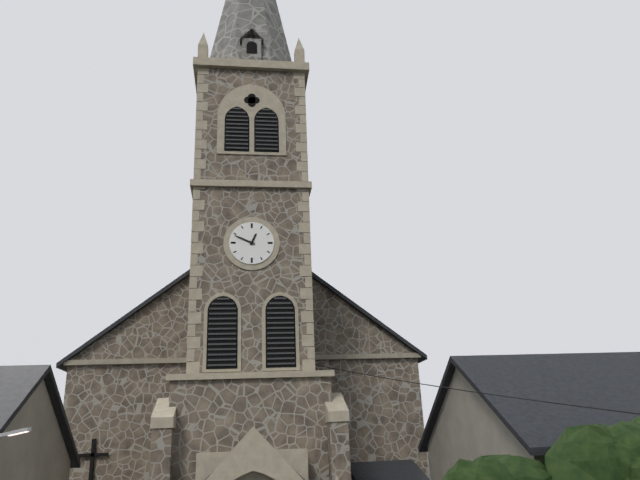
{"hour": 12, "minute": 49}
